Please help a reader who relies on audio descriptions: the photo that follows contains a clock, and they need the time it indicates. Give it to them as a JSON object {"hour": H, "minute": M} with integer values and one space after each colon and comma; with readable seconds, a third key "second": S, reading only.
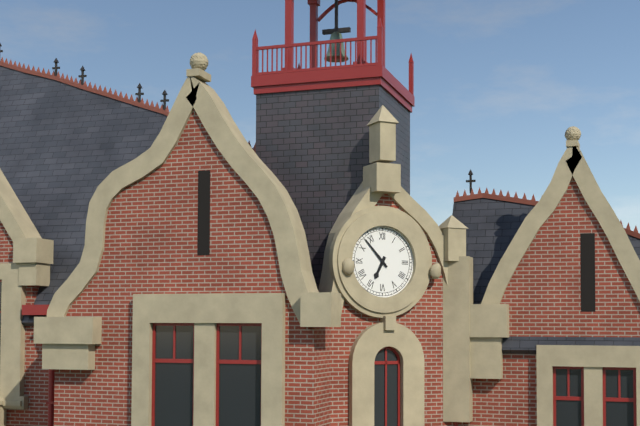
{"hour": 6, "minute": 53}
